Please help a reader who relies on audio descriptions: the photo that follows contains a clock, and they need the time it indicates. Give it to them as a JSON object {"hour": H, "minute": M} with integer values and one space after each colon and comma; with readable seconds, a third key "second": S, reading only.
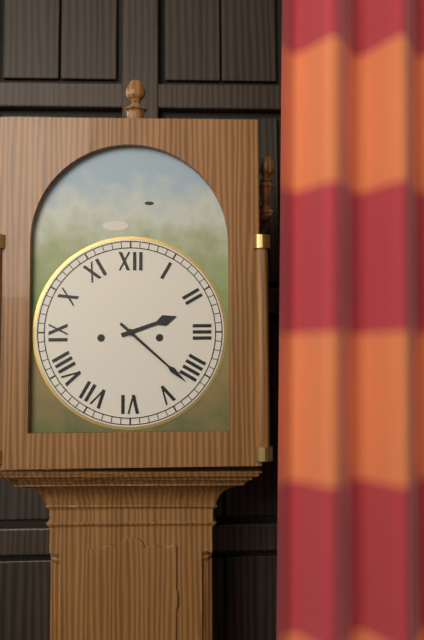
{"hour": 2, "minute": 22}
